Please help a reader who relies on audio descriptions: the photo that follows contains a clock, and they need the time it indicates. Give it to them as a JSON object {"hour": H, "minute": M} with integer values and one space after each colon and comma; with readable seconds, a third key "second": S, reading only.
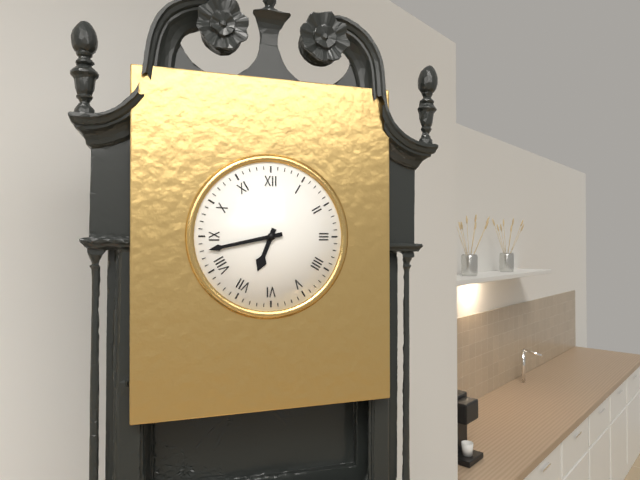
{"hour": 6, "minute": 43}
